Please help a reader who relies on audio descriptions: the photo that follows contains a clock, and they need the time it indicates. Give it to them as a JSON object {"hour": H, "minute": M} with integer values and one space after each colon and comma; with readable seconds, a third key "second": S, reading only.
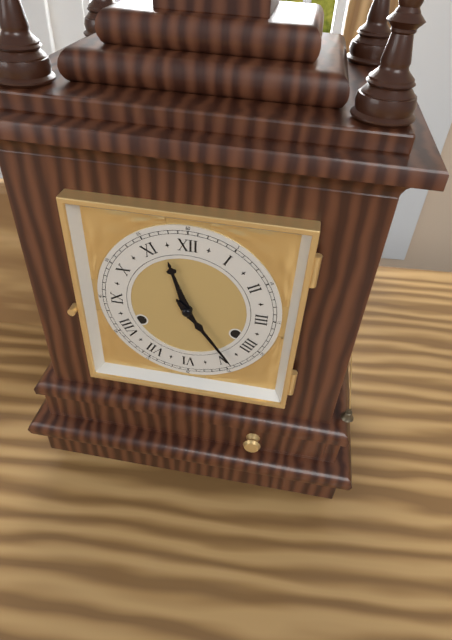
{"hour": 11, "minute": 24}
